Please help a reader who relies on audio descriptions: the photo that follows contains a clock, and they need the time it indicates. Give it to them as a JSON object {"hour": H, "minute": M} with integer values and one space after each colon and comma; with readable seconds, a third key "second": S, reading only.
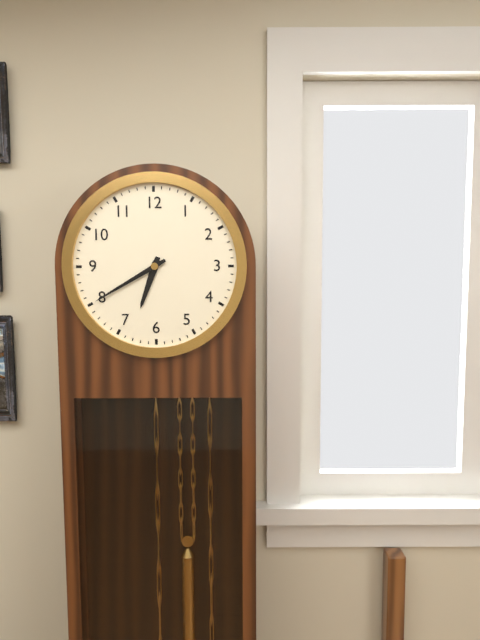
{"hour": 6, "minute": 40}
